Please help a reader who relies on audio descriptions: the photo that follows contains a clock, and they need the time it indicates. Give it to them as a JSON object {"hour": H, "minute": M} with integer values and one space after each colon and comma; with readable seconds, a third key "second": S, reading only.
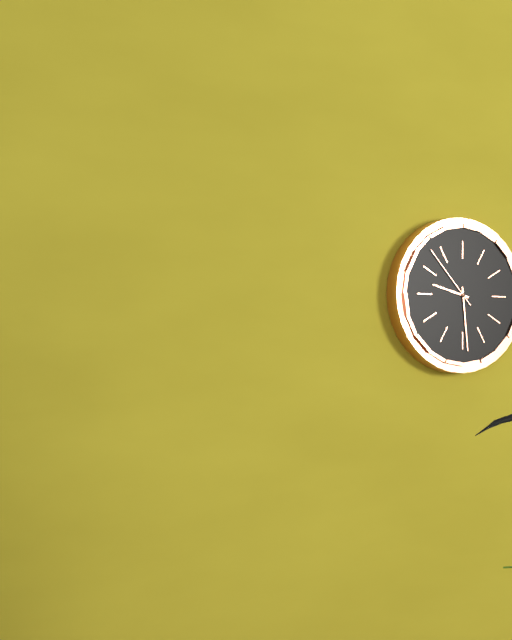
{"hour": 9, "minute": 29, "second": 53}
